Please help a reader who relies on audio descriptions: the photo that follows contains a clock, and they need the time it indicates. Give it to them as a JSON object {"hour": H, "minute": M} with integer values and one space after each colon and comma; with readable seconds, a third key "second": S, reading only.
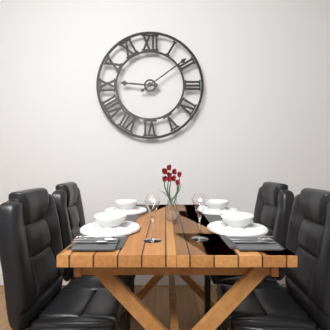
{"hour": 9, "minute": 9}
